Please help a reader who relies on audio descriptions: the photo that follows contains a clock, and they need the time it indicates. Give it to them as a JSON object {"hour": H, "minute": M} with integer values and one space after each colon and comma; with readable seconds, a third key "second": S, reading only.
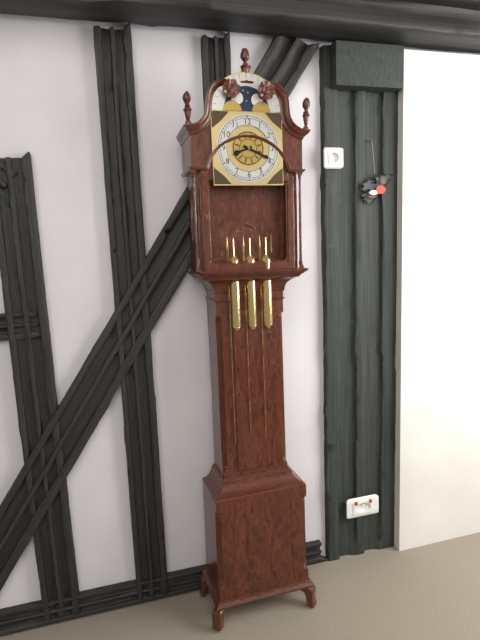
{"hour": 8, "minute": 19}
